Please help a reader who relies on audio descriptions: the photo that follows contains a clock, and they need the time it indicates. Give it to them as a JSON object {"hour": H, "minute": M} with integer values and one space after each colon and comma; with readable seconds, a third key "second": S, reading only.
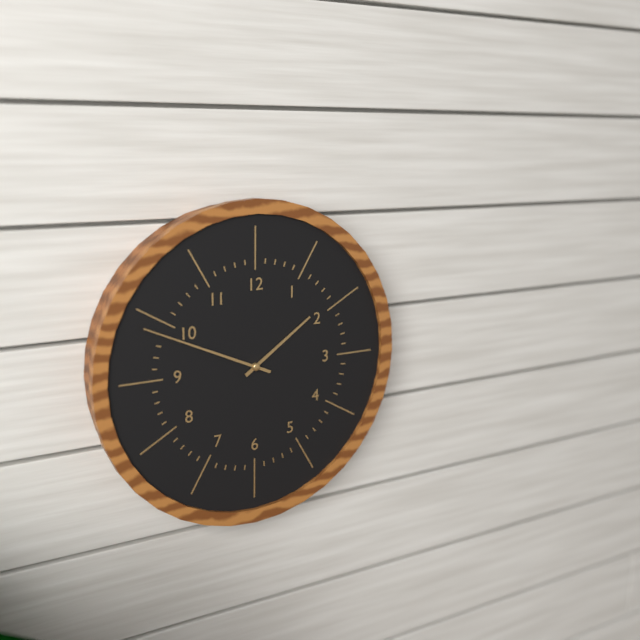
{"hour": 1, "minute": 49}
